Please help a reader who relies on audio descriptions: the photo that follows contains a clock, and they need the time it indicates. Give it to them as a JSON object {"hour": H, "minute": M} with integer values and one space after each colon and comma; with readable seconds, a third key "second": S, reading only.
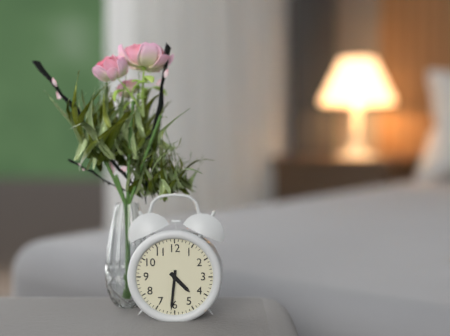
{"hour": 4, "minute": 31}
